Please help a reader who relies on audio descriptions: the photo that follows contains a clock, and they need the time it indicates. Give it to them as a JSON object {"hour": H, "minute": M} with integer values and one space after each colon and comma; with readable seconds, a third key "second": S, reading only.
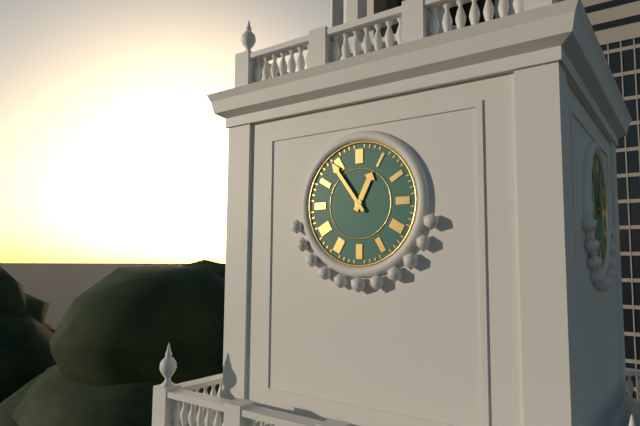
{"hour": 12, "minute": 54}
